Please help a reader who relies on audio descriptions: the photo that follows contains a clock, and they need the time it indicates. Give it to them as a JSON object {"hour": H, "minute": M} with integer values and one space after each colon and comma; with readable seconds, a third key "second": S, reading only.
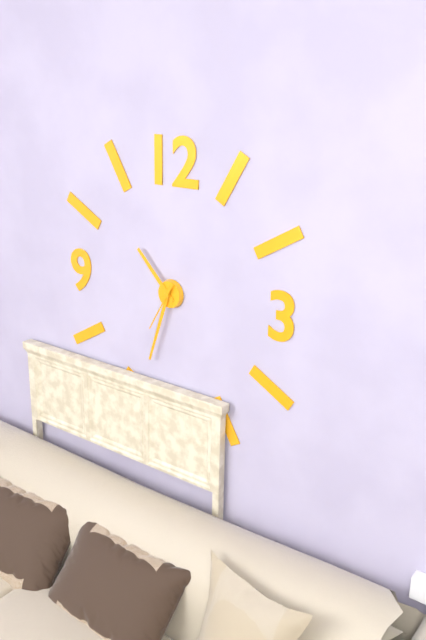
{"hour": 10, "minute": 33}
